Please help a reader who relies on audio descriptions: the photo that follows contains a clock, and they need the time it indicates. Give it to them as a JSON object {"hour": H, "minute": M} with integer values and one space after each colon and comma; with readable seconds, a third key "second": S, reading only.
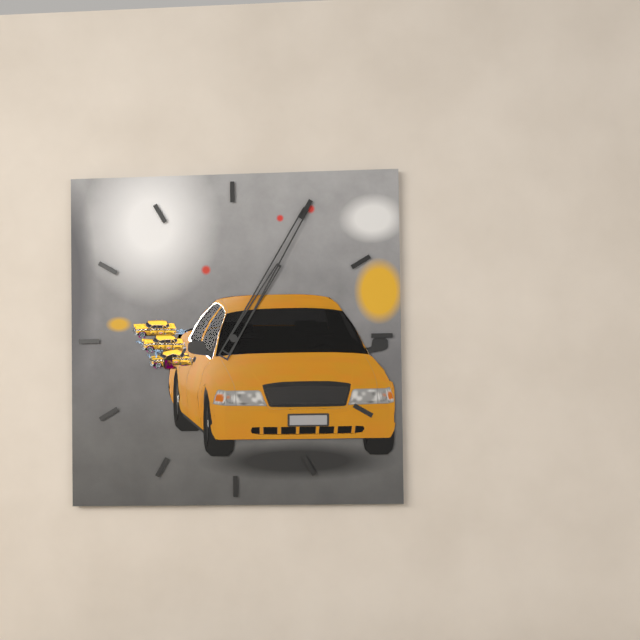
{"hour": 1, "minute": 5}
